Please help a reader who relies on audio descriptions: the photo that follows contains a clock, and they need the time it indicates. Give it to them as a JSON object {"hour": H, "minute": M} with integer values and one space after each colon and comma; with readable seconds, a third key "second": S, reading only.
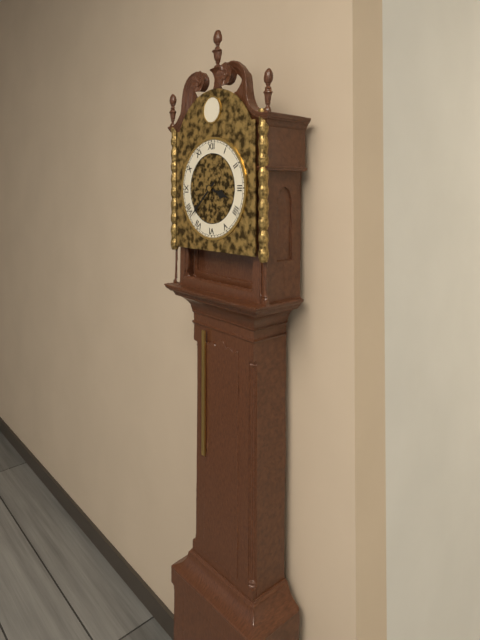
{"hour": 3, "minute": 38}
